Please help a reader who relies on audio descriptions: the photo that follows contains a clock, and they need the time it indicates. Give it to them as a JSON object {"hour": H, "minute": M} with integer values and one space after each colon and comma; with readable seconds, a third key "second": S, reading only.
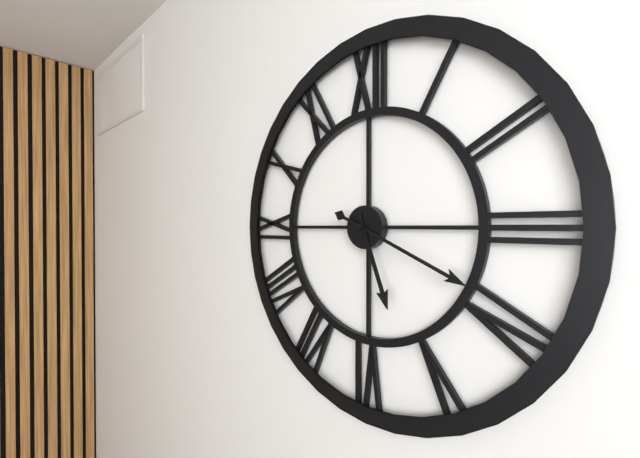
{"hour": 5, "minute": 19}
